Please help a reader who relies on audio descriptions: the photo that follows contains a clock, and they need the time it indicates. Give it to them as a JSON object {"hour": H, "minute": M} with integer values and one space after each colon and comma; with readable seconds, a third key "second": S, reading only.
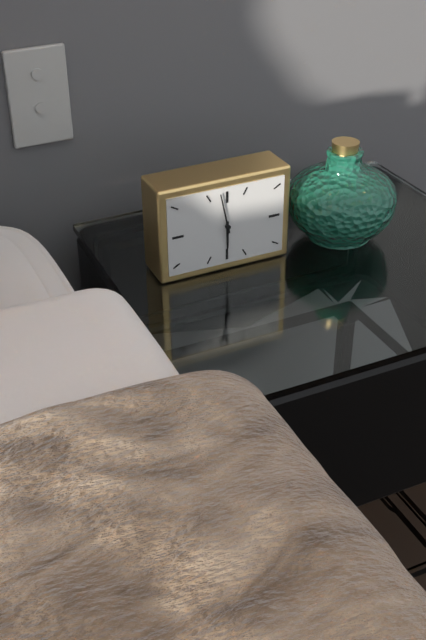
{"hour": 5, "minute": 58}
